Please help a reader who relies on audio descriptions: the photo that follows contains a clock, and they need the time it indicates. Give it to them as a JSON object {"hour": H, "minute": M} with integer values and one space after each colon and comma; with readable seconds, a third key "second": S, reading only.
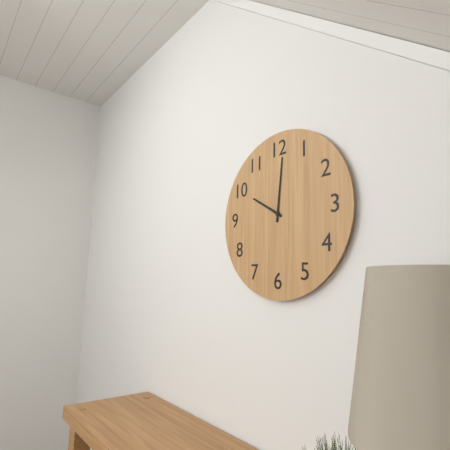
{"hour": 10, "minute": 1}
